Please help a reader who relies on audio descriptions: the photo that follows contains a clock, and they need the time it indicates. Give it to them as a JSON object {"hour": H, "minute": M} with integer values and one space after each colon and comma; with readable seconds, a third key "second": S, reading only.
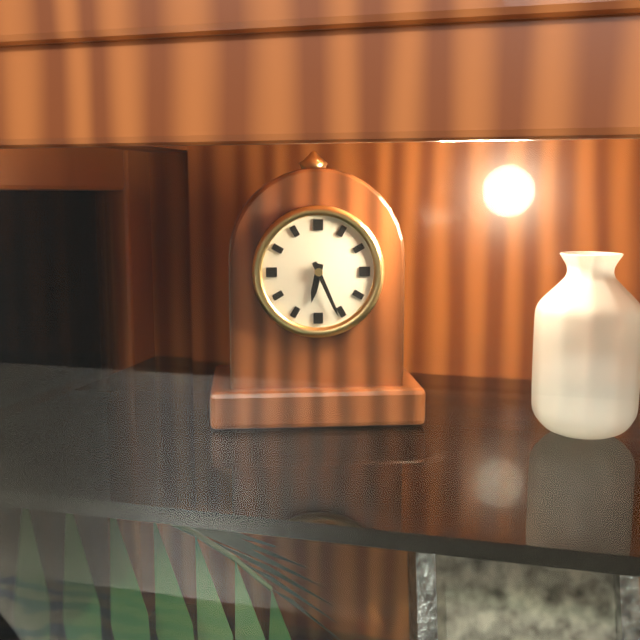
{"hour": 6, "minute": 26}
